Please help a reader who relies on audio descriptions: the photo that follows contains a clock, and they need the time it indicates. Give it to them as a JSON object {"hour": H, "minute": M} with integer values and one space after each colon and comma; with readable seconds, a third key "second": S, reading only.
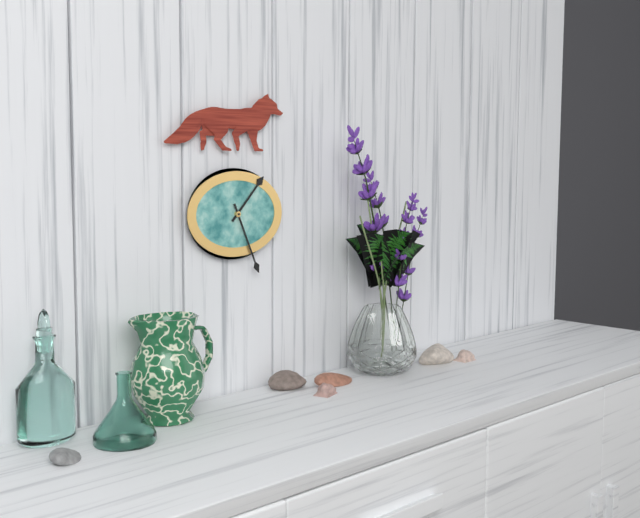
{"hour": 1, "minute": 26}
